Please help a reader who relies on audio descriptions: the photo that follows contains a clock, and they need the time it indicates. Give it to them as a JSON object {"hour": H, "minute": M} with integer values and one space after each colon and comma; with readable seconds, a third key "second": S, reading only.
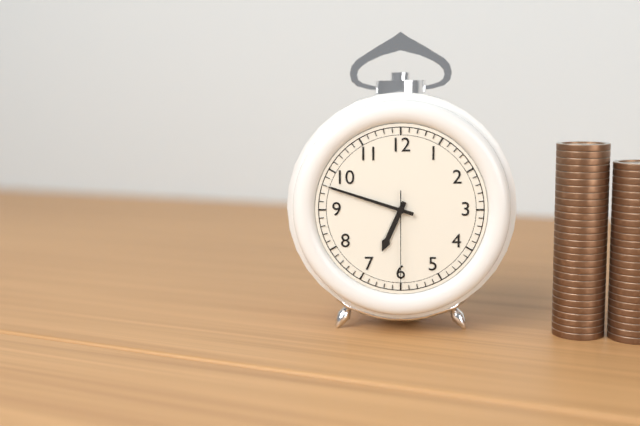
{"hour": 6, "minute": 48, "second": 30}
